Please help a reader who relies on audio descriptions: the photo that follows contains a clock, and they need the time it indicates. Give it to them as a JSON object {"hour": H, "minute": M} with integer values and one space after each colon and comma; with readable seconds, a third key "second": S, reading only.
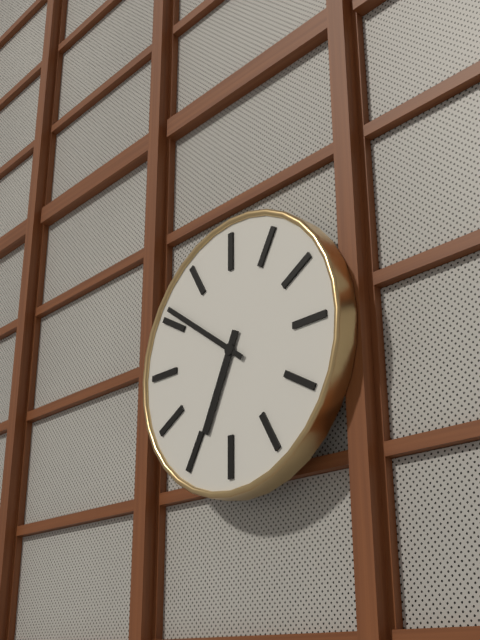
{"hour": 6, "minute": 51}
